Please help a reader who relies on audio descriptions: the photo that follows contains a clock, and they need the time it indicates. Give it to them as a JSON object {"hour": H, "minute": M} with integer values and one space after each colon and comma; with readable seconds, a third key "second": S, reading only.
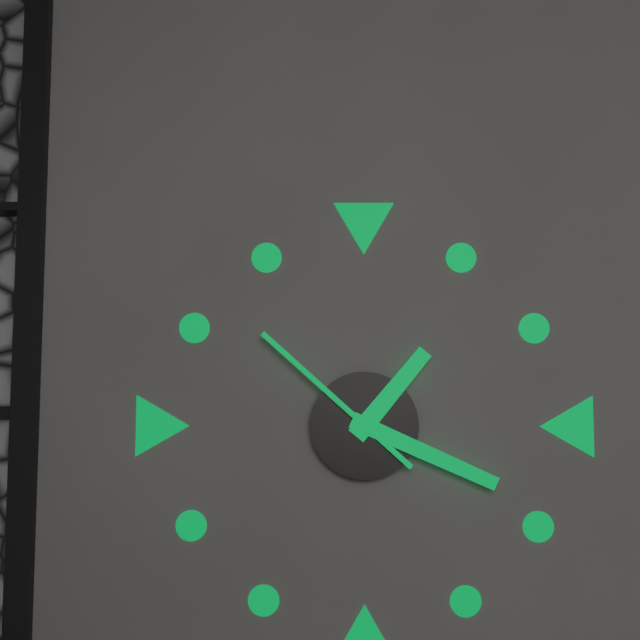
{"hour": 1, "minute": 19, "second": 52}
